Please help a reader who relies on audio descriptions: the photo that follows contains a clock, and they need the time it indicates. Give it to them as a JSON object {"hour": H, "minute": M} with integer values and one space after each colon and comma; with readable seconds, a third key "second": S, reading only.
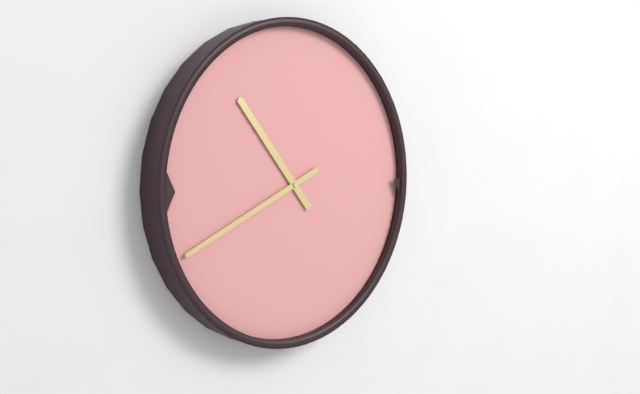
{"hour": 10, "minute": 41}
